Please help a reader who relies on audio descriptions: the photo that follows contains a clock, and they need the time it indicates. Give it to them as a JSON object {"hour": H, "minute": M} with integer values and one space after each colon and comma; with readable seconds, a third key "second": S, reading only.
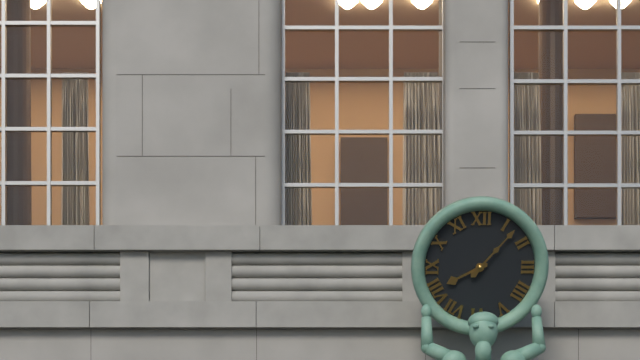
{"hour": 8, "minute": 7}
